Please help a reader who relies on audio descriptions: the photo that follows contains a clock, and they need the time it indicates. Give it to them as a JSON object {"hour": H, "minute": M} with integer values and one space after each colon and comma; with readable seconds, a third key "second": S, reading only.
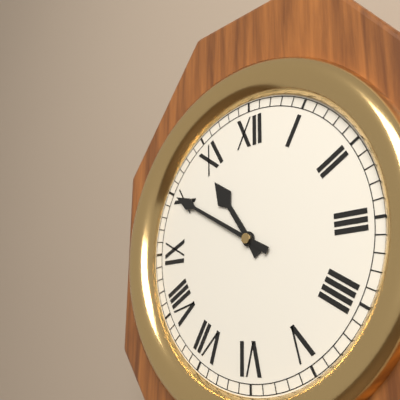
{"hour": 10, "minute": 50}
